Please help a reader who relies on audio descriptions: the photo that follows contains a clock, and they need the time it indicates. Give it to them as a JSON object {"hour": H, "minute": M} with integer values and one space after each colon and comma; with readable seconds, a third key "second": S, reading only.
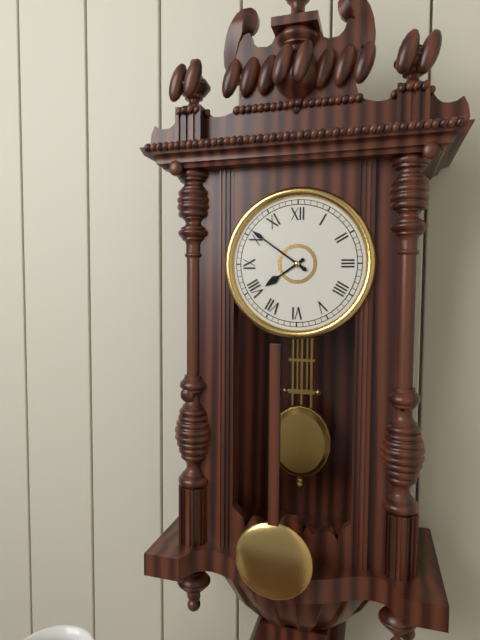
{"hour": 7, "minute": 51}
